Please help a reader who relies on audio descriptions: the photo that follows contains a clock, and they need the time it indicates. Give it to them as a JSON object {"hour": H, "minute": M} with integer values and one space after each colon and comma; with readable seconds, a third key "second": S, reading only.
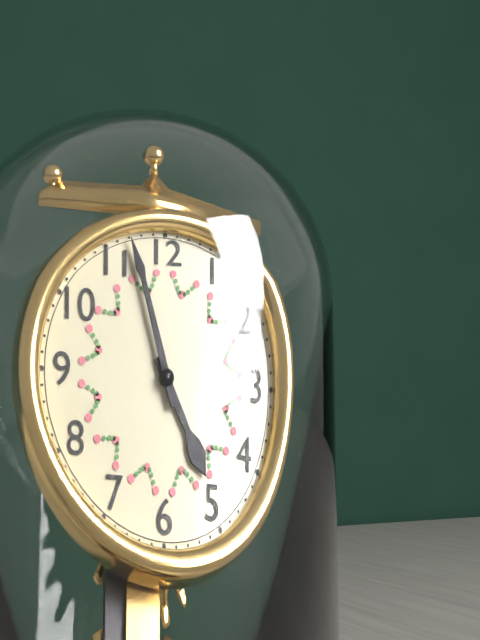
{"hour": 4, "minute": 57}
